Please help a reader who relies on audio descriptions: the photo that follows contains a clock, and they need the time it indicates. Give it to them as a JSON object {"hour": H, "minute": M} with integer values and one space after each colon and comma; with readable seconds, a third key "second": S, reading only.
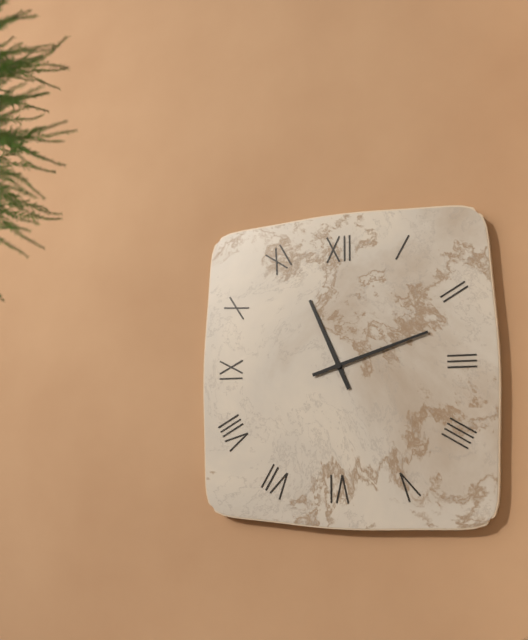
{"hour": 11, "minute": 12}
